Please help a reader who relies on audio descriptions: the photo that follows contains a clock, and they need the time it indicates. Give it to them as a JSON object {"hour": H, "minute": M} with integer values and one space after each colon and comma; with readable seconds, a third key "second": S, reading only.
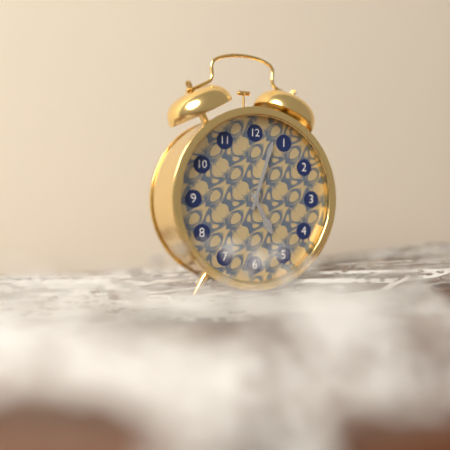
{"hour": 5, "minute": 3}
